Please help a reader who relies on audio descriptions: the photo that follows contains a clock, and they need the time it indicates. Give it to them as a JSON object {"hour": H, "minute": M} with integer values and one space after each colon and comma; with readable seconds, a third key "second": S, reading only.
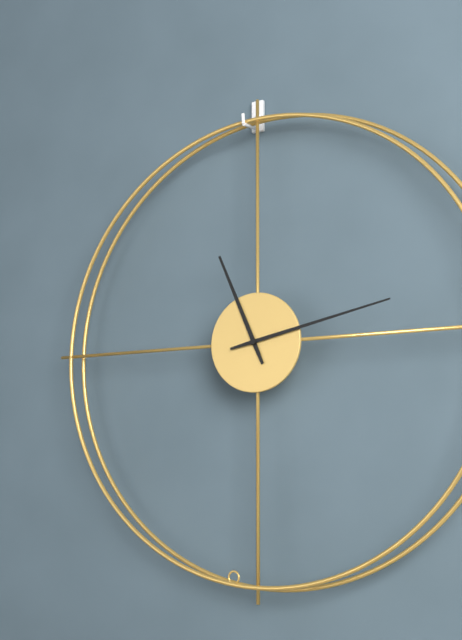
{"hour": 11, "minute": 13}
